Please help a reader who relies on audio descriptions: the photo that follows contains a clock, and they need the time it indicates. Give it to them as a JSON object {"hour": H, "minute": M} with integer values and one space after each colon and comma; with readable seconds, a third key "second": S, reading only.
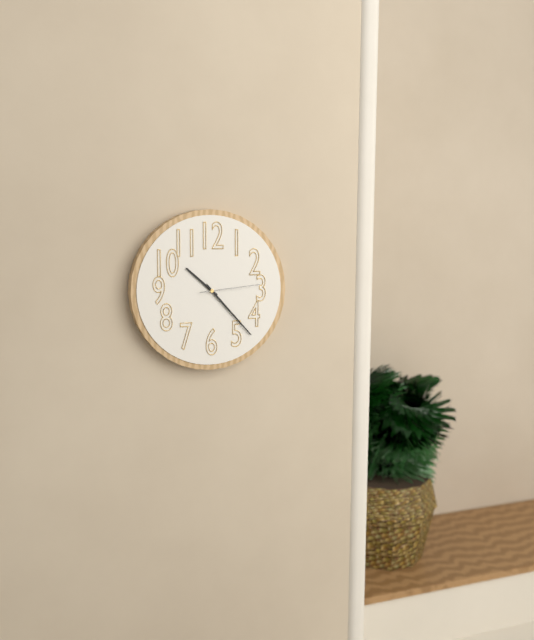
{"hour": 10, "minute": 23, "second": 14}
